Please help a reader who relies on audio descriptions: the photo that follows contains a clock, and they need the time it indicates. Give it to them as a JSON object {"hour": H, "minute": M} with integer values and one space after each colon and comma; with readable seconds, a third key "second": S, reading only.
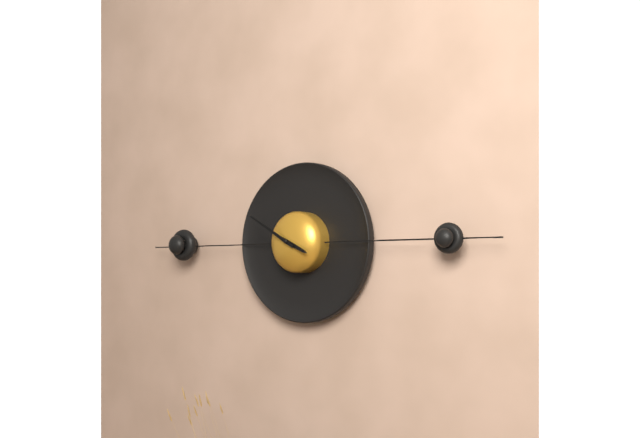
{"hour": 3, "minute": 50}
